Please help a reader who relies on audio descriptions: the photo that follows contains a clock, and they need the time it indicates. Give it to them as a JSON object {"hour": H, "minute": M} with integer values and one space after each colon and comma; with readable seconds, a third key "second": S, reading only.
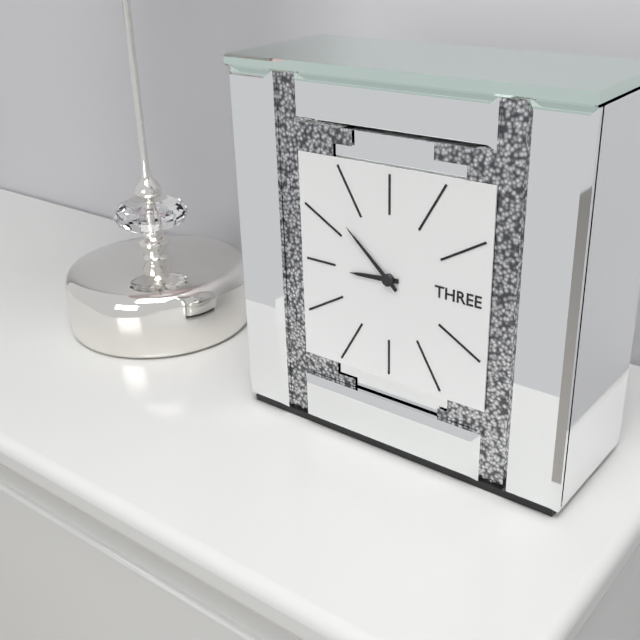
{"hour": 8, "minute": 52}
